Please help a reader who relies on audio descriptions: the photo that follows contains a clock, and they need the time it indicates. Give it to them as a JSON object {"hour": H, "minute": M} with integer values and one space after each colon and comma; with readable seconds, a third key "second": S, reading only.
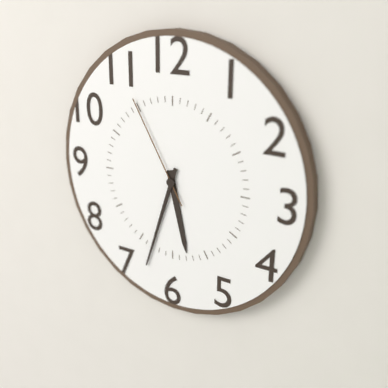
{"hour": 5, "minute": 33, "second": 55}
